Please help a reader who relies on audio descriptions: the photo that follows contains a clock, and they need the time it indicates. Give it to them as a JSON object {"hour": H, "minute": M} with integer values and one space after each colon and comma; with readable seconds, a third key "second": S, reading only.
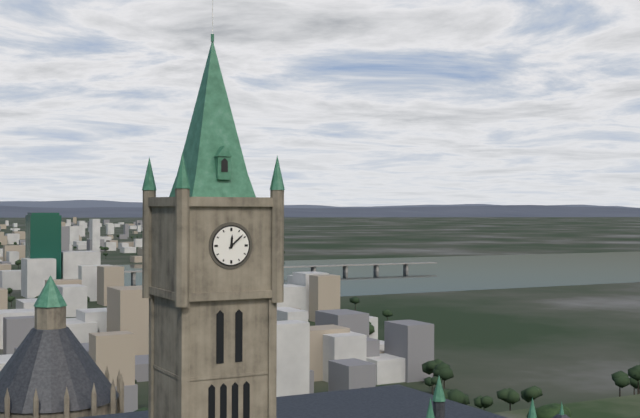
{"hour": 12, "minute": 8}
